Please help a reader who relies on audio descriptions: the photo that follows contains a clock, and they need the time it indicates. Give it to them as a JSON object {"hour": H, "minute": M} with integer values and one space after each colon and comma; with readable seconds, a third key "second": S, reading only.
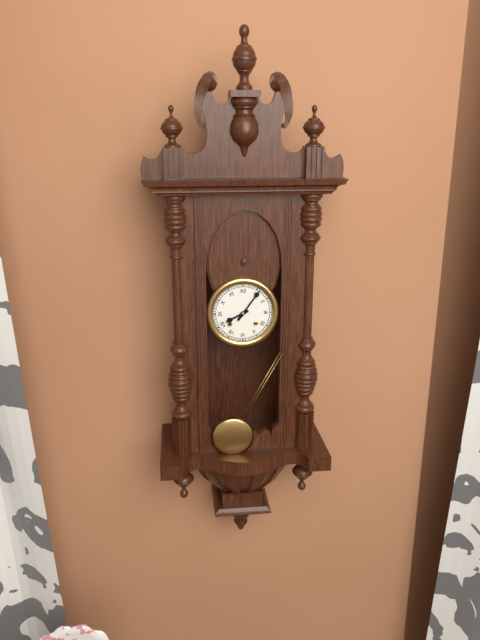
{"hour": 8, "minute": 6}
